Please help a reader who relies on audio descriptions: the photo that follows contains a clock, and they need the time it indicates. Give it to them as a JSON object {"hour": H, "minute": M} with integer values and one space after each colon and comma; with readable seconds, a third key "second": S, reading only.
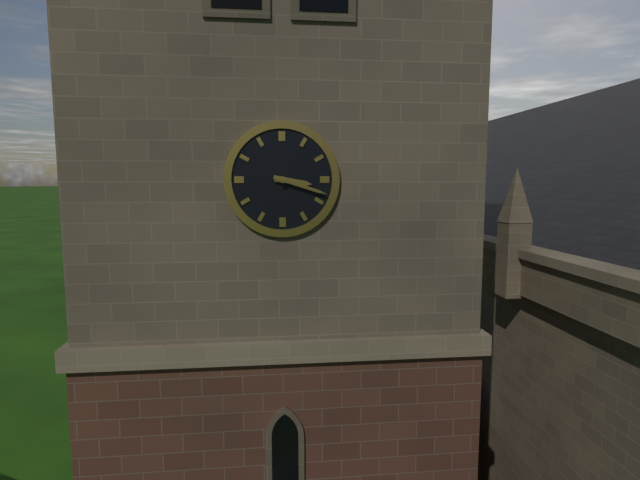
{"hour": 3, "minute": 18}
